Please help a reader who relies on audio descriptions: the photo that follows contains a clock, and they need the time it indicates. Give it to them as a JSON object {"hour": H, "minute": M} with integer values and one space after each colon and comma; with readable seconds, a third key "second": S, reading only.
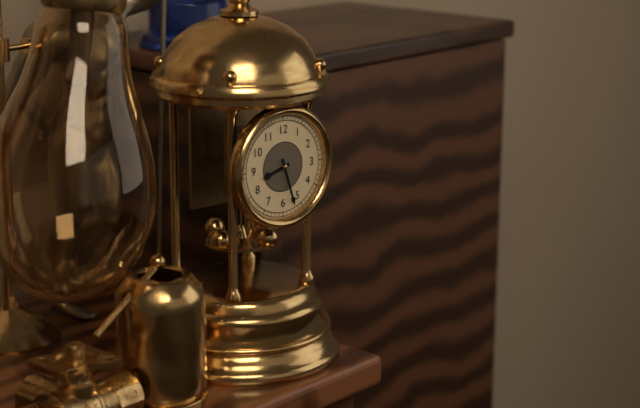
{"hour": 8, "minute": 27}
